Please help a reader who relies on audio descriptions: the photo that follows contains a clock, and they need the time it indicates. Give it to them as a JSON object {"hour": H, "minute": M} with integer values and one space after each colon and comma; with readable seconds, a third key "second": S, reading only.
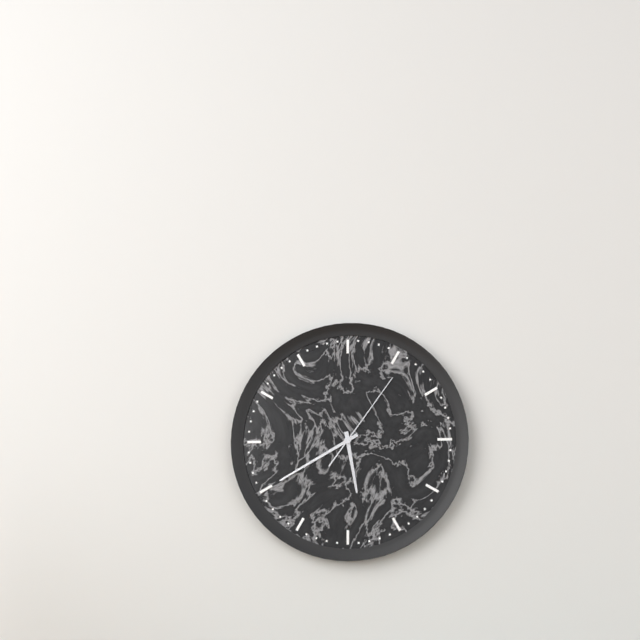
{"hour": 5, "minute": 40, "second": 6}
